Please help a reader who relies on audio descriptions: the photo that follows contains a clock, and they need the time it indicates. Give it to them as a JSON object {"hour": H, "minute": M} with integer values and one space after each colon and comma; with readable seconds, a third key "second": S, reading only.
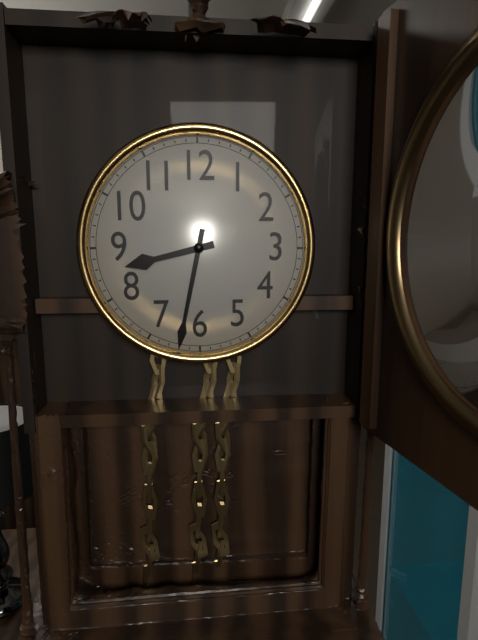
{"hour": 8, "minute": 32}
